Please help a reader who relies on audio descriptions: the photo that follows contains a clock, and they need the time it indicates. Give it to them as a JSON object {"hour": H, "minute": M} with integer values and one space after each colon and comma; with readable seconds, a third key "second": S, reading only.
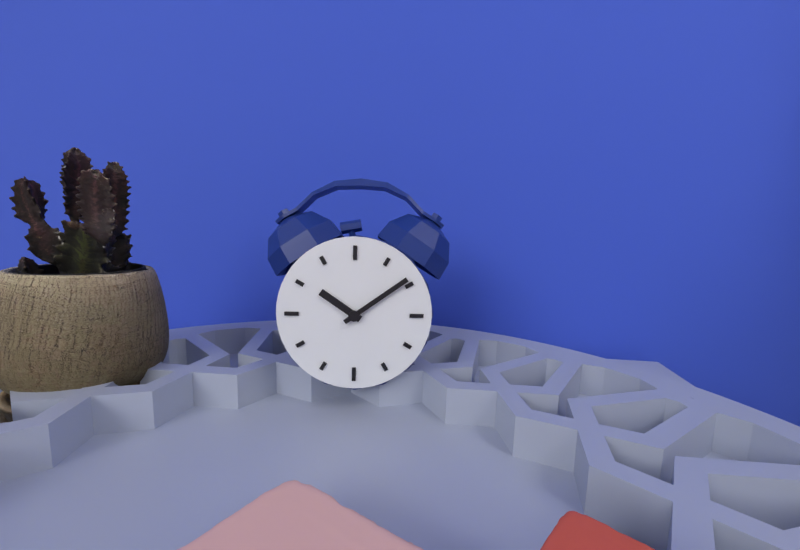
{"hour": 10, "minute": 9}
